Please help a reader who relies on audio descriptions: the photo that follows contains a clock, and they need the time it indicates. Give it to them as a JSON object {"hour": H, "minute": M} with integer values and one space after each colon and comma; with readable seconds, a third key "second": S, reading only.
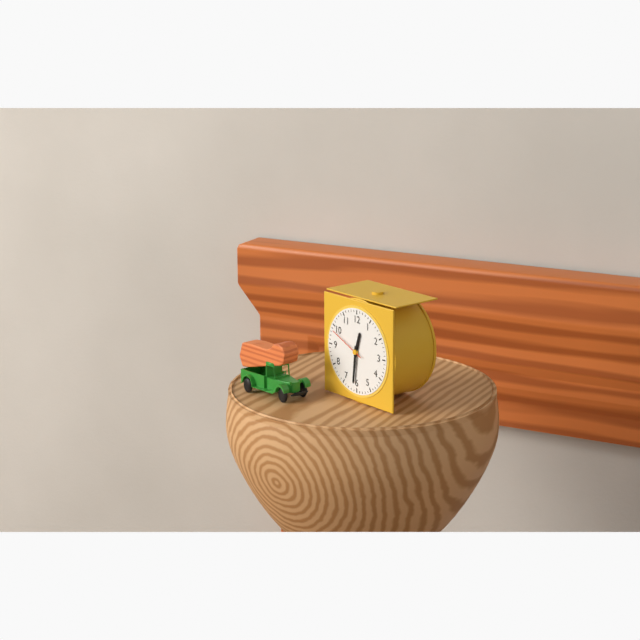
{"hour": 12, "minute": 31}
